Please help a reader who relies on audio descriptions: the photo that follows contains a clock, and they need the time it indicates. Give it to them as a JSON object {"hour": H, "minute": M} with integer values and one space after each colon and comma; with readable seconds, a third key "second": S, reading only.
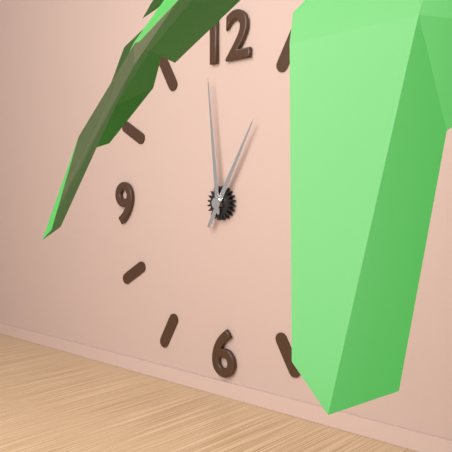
{"hour": 12, "minute": 59}
